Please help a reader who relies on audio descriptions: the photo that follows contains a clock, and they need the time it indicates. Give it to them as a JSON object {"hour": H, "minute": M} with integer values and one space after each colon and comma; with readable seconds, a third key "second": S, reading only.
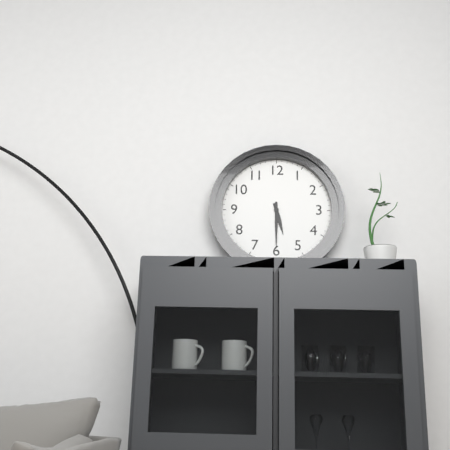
{"hour": 5, "minute": 30}
